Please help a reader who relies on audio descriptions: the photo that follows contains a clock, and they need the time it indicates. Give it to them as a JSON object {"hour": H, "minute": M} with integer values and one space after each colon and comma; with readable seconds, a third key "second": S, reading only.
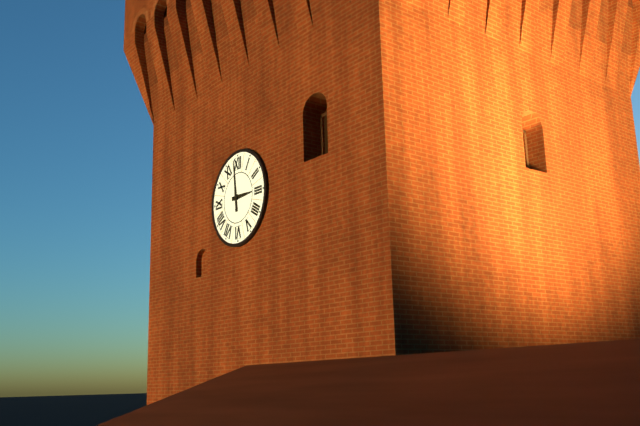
{"hour": 2, "minute": 59}
